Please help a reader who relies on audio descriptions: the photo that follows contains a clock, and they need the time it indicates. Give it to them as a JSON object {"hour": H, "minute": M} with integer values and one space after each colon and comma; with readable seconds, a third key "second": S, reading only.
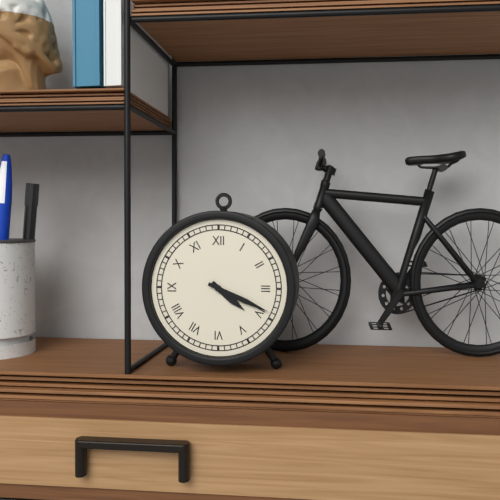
{"hour": 4, "minute": 19}
